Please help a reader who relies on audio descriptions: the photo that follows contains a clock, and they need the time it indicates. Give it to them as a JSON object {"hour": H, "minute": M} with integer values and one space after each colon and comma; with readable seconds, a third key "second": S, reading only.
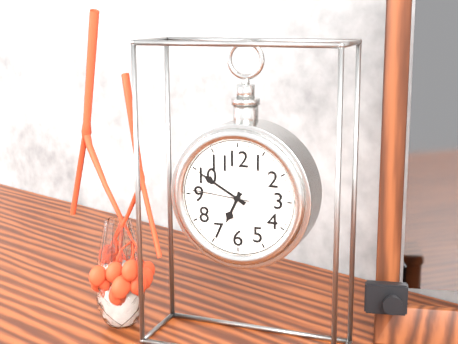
{"hour": 6, "minute": 50, "second": 46}
